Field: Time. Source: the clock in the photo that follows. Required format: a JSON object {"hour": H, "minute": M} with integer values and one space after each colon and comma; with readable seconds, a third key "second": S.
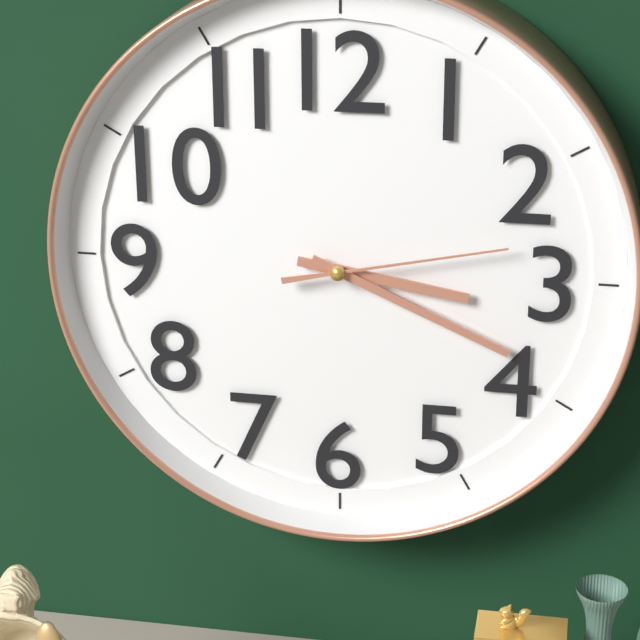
{"hour": 3, "minute": 19, "second": 13}
